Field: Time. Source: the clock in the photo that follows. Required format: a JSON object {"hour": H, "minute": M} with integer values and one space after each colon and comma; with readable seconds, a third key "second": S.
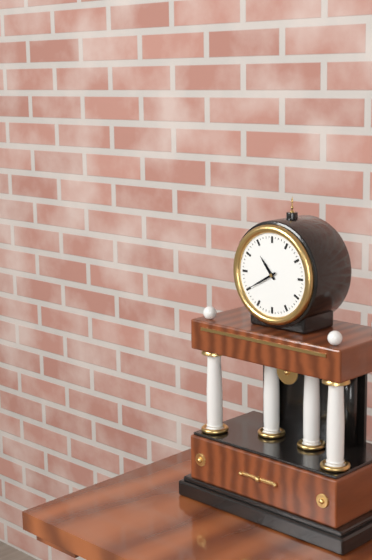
{"hour": 10, "minute": 40}
